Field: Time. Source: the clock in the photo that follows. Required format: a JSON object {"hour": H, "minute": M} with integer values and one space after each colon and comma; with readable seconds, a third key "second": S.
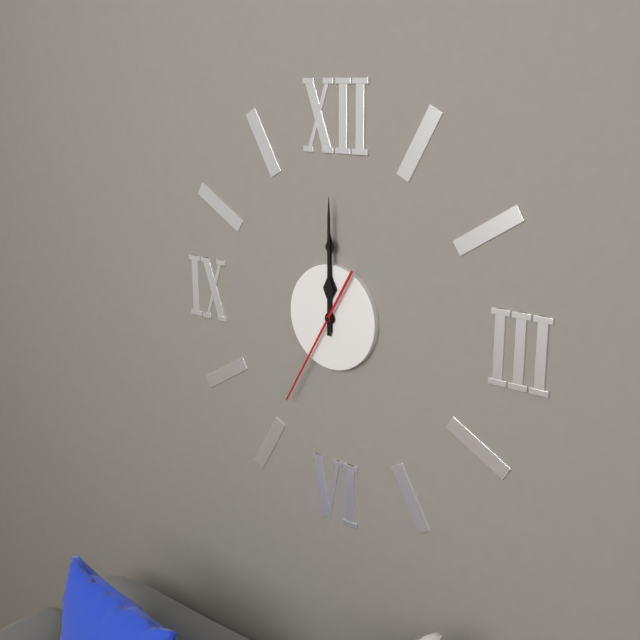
{"hour": 12, "minute": 0, "second": 35}
